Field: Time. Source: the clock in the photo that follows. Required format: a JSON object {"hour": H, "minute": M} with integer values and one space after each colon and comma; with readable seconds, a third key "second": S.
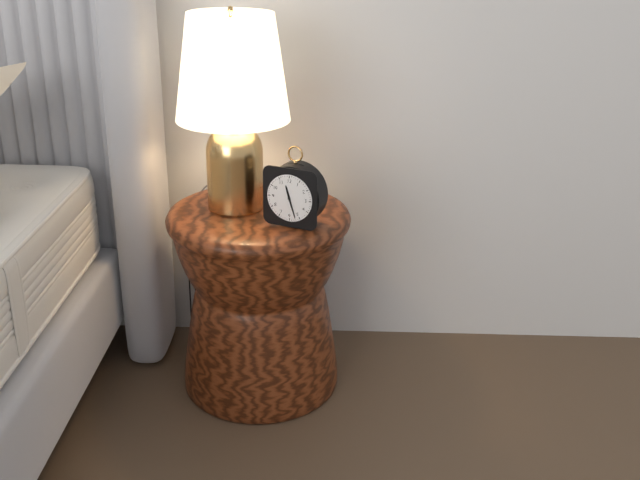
{"hour": 11, "minute": 27}
